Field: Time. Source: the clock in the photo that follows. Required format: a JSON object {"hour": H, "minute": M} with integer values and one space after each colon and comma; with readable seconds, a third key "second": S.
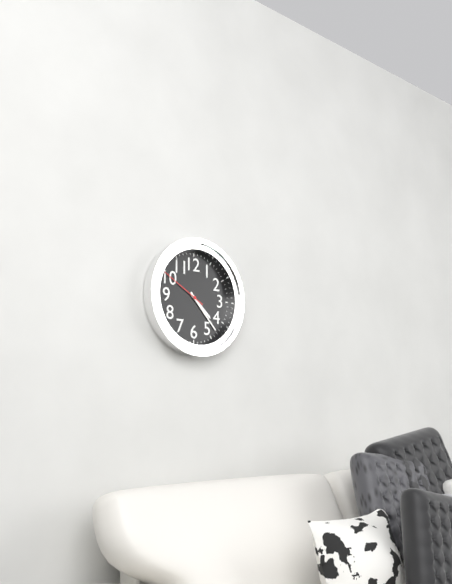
{"hour": 4, "minute": 23, "second": 50}
